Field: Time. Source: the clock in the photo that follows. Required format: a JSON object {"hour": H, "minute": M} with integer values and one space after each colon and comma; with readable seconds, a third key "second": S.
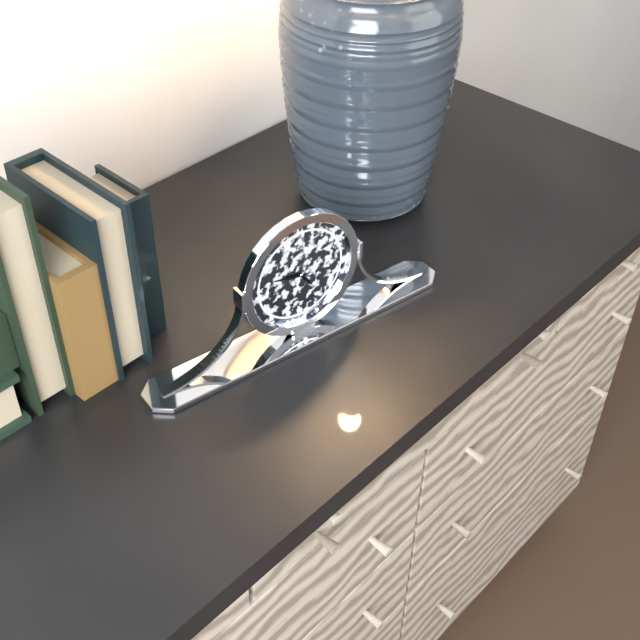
{"hour": 4, "minute": 47}
